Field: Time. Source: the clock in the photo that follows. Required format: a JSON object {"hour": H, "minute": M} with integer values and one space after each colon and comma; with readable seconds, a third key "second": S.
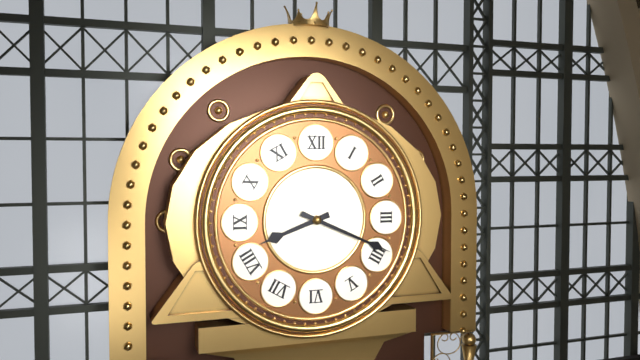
{"hour": 8, "minute": 19}
